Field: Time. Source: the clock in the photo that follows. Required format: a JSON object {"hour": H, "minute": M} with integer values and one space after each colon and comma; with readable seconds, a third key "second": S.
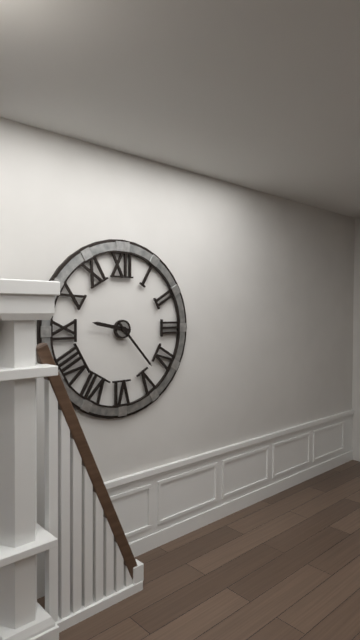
{"hour": 9, "minute": 23}
